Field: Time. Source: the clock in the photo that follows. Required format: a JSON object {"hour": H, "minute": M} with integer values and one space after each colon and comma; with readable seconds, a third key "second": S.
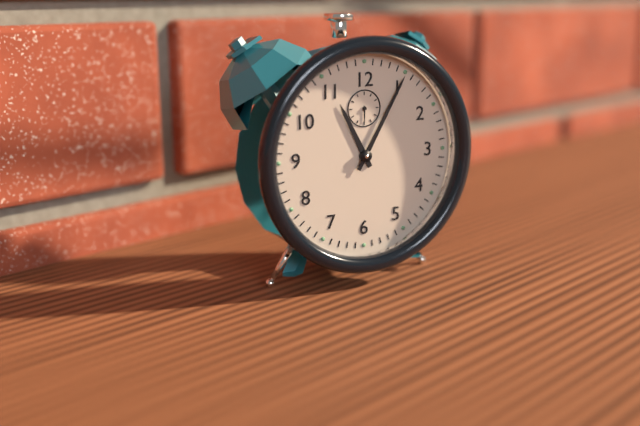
{"hour": 11, "minute": 5}
